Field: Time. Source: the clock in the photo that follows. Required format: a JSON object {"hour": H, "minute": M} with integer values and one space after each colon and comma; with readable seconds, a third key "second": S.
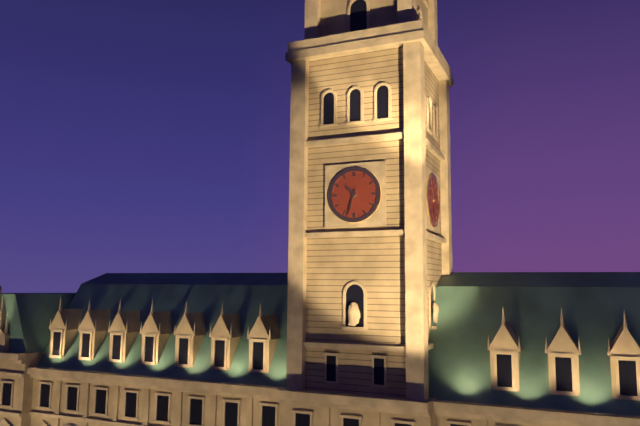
{"hour": 10, "minute": 33}
